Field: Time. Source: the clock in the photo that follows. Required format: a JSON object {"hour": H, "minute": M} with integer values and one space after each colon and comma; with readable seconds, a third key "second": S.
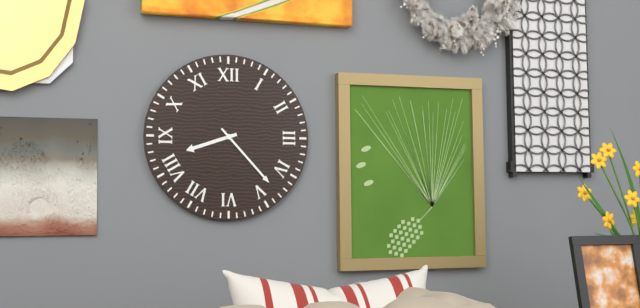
{"hour": 8, "minute": 23}
